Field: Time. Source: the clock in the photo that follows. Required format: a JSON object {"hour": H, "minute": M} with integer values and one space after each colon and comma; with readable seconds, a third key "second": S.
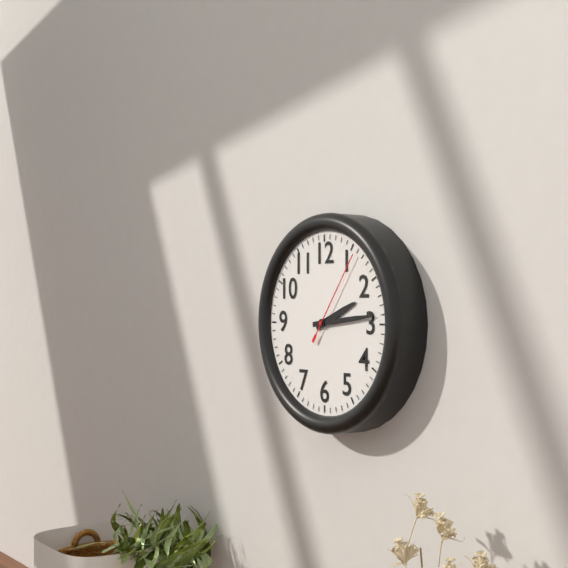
{"hour": 2, "minute": 14, "second": 6}
